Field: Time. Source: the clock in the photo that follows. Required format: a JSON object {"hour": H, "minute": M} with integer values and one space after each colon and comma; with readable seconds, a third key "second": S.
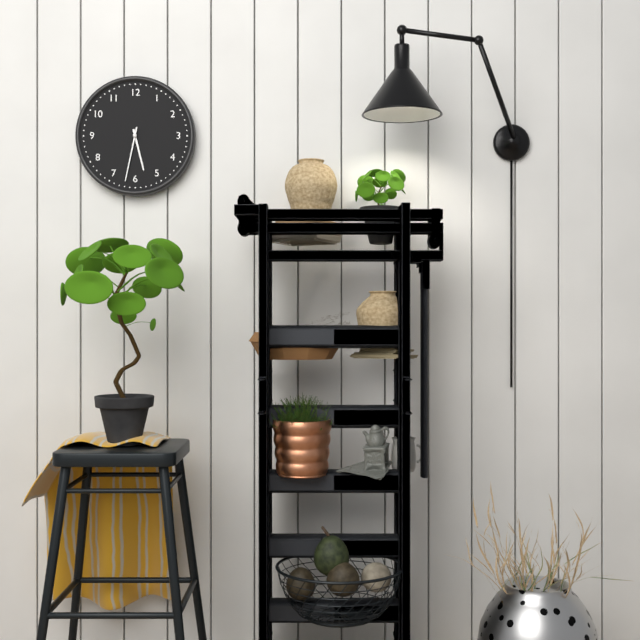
{"hour": 5, "minute": 32}
